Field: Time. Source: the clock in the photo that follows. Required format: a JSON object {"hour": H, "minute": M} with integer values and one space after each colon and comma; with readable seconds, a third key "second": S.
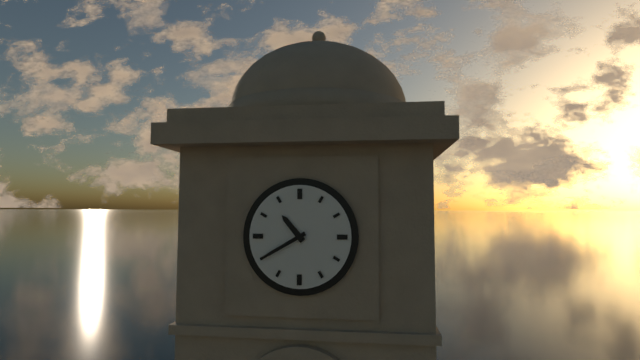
{"hour": 10, "minute": 40}
